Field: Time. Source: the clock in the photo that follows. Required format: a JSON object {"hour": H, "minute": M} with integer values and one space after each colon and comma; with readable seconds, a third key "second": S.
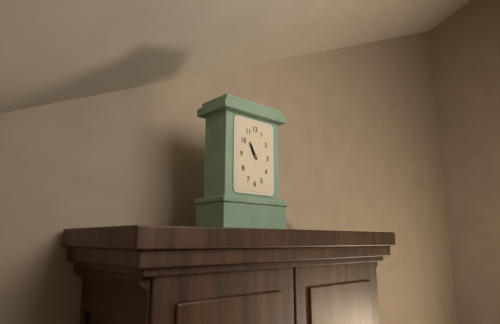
{"hour": 10, "minute": 55}
